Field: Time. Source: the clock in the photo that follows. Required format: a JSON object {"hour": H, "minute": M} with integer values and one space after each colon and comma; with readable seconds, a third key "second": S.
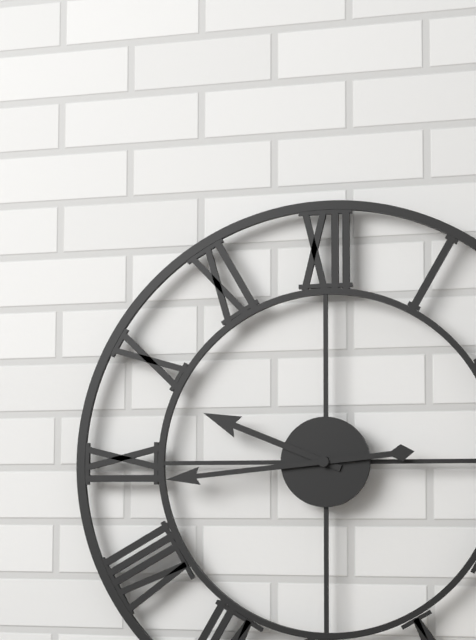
{"hour": 9, "minute": 44}
